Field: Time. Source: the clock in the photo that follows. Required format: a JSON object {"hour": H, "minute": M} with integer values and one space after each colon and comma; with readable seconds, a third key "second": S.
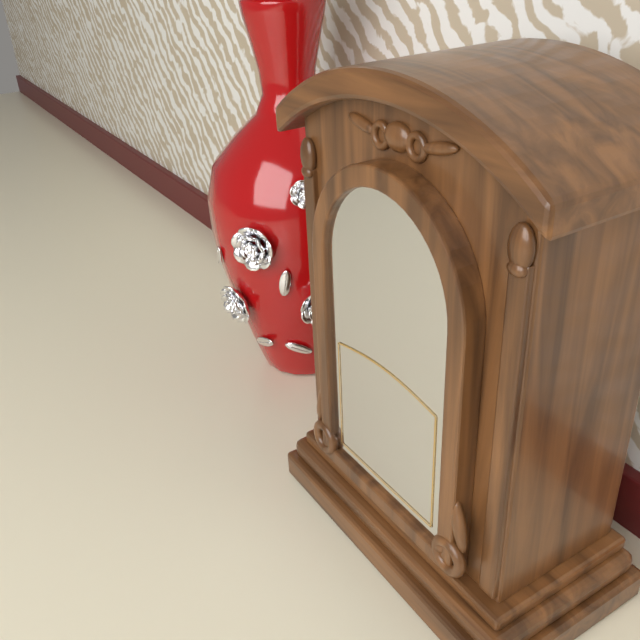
{"hour": 9, "minute": 31}
